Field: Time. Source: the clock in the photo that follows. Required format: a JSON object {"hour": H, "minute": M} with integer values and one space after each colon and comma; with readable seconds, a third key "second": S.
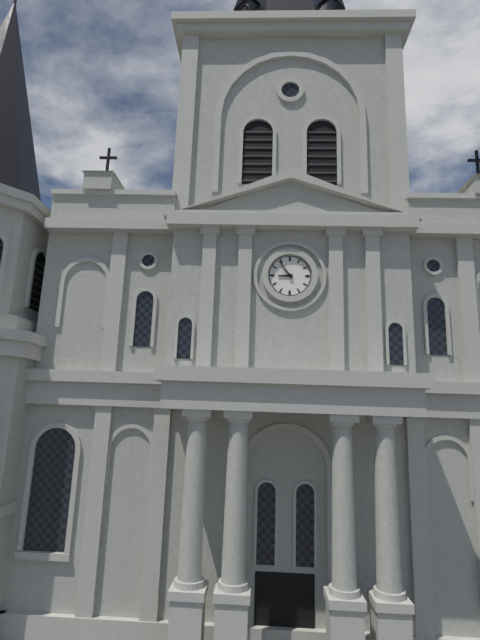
{"hour": 8, "minute": 54}
